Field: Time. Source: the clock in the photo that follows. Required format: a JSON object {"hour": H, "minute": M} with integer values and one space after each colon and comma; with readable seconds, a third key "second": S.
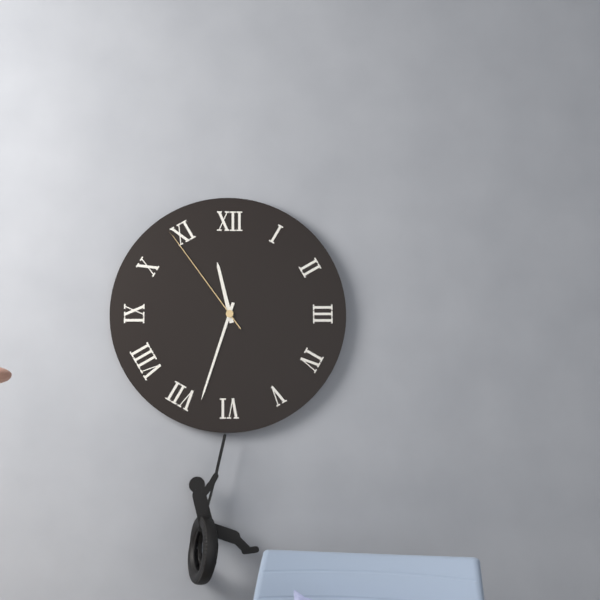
{"hour": 11, "minute": 33, "second": 54}
